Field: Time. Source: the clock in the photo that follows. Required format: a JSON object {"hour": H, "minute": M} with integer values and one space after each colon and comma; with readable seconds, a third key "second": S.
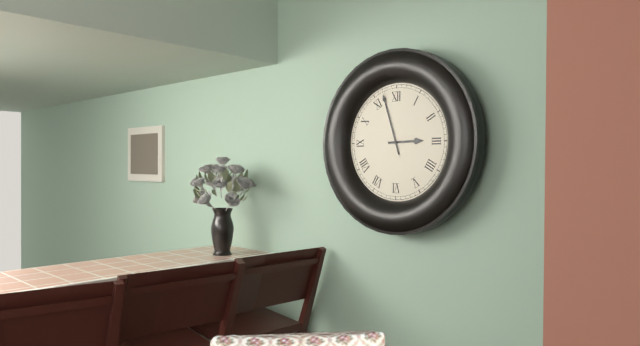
{"hour": 2, "minute": 57}
